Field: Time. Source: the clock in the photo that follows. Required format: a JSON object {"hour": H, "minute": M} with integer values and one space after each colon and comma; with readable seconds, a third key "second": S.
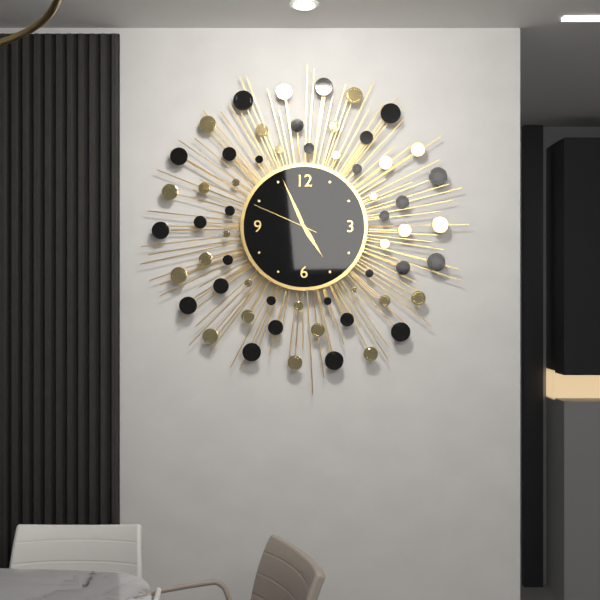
{"hour": 4, "minute": 56, "second": 49}
